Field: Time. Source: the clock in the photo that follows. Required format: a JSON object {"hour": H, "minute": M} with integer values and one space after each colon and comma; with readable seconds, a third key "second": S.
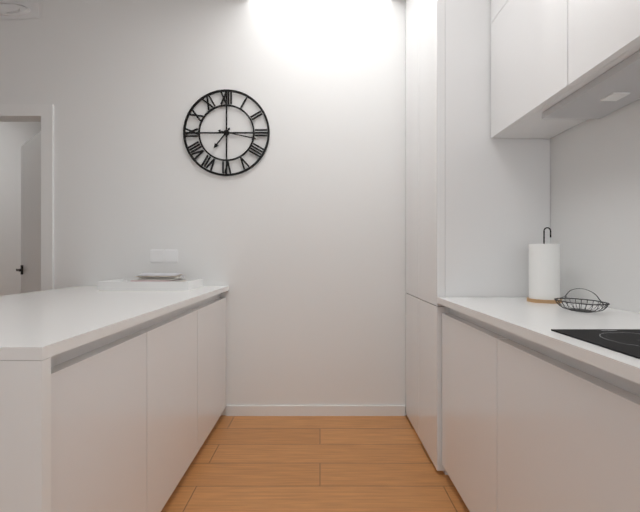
{"hour": 7, "minute": 17}
